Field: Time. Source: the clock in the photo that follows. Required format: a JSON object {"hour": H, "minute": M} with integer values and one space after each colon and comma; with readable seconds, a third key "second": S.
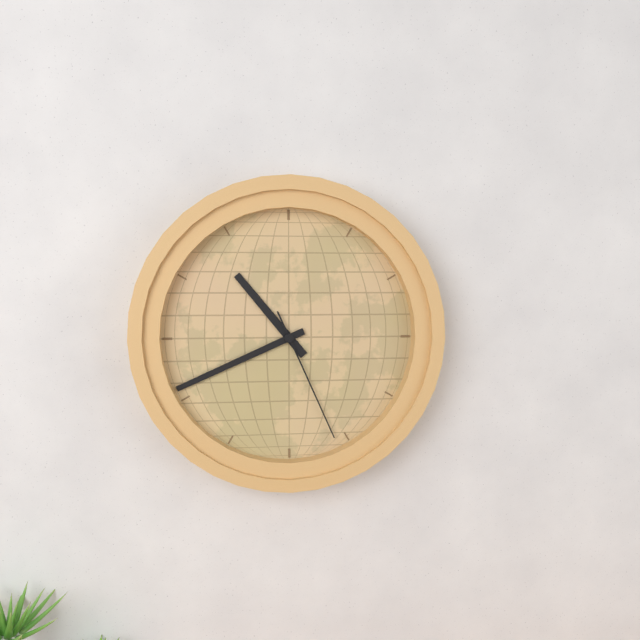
{"hour": 10, "minute": 41, "second": 26}
